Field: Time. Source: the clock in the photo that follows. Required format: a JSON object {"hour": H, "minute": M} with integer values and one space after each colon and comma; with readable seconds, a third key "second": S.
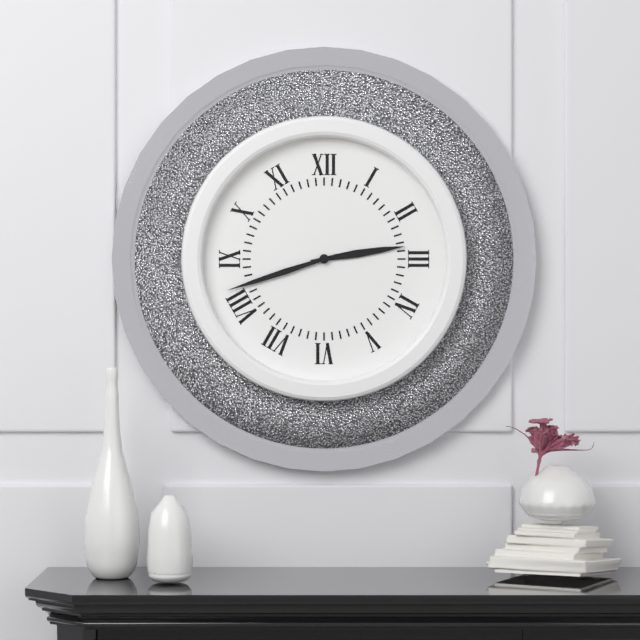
{"hour": 2, "minute": 42}
